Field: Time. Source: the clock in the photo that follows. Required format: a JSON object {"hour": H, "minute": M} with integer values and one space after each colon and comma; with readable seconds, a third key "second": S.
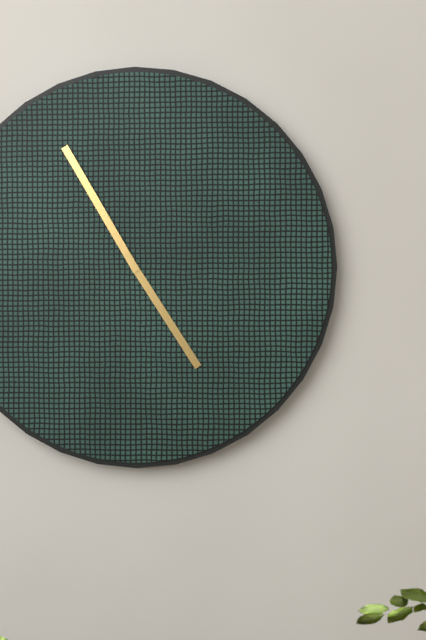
{"hour": 4, "minute": 55}
